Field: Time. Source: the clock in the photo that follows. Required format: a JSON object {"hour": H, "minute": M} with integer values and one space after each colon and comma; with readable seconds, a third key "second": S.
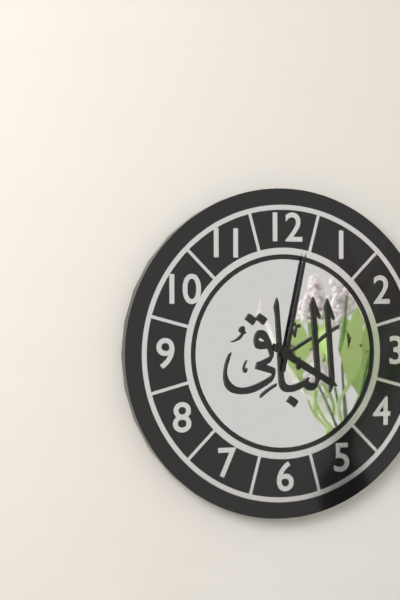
{"hour": 4, "minute": 2}
